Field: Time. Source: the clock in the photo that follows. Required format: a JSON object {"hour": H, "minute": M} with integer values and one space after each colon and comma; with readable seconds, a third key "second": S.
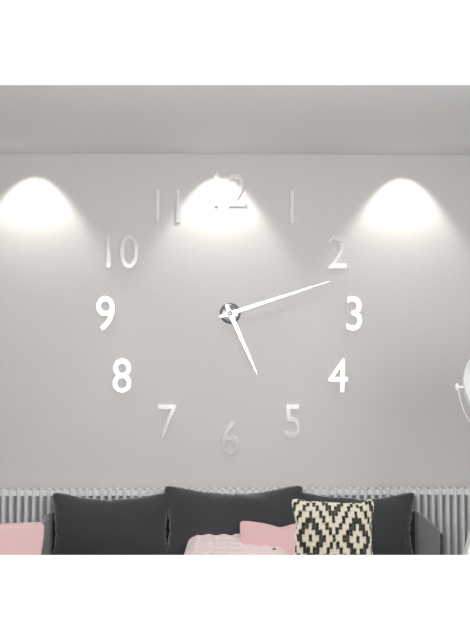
{"hour": 5, "minute": 12}
